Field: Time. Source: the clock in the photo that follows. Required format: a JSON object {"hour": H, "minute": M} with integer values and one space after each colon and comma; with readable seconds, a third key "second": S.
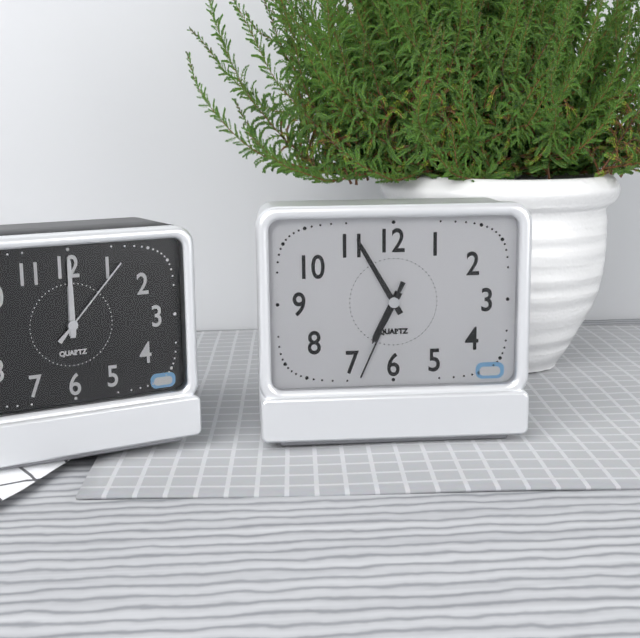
{"hour": 6, "minute": 55, "second": 34}
